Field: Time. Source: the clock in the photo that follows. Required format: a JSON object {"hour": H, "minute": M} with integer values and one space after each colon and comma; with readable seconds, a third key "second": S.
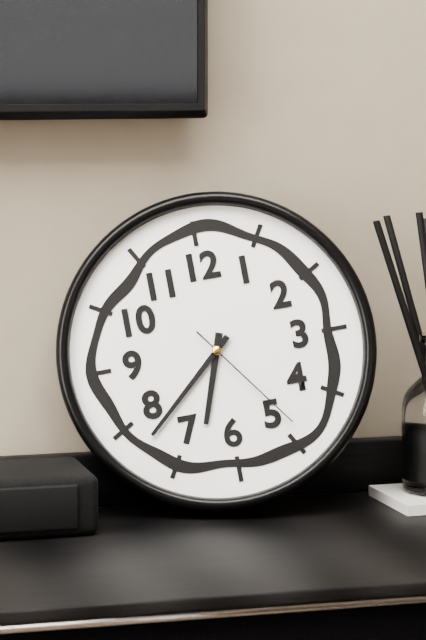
{"hour": 6, "minute": 38, "second": 24}
